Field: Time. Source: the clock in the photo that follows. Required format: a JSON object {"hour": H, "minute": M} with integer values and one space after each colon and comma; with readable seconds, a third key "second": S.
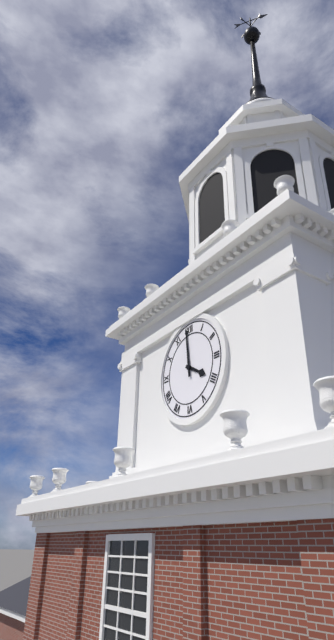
{"hour": 3, "minute": 59}
